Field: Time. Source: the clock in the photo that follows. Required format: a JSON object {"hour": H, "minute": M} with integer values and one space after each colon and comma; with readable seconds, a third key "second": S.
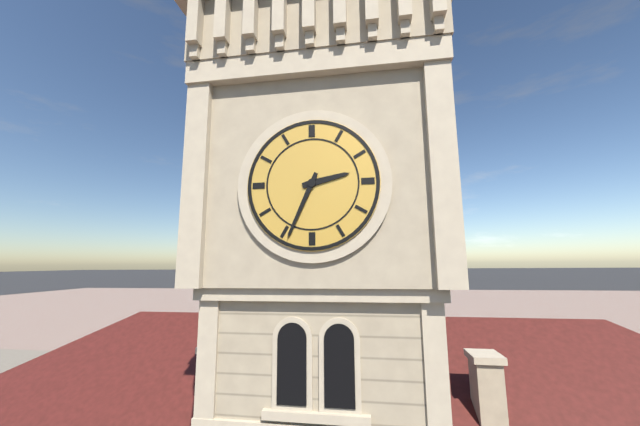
{"hour": 2, "minute": 34}
